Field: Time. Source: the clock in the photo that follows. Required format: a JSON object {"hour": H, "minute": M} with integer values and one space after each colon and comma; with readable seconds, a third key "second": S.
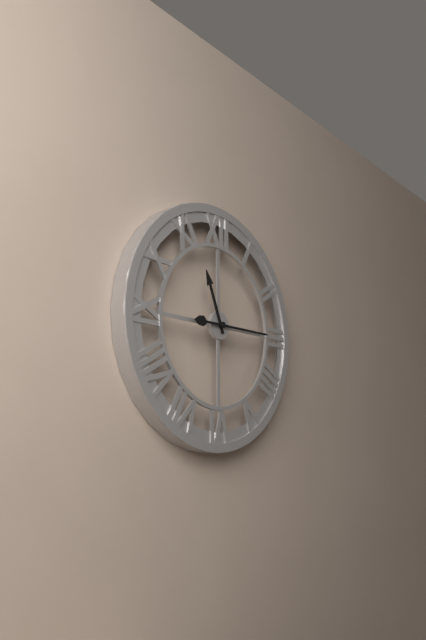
{"hour": 11, "minute": 15}
